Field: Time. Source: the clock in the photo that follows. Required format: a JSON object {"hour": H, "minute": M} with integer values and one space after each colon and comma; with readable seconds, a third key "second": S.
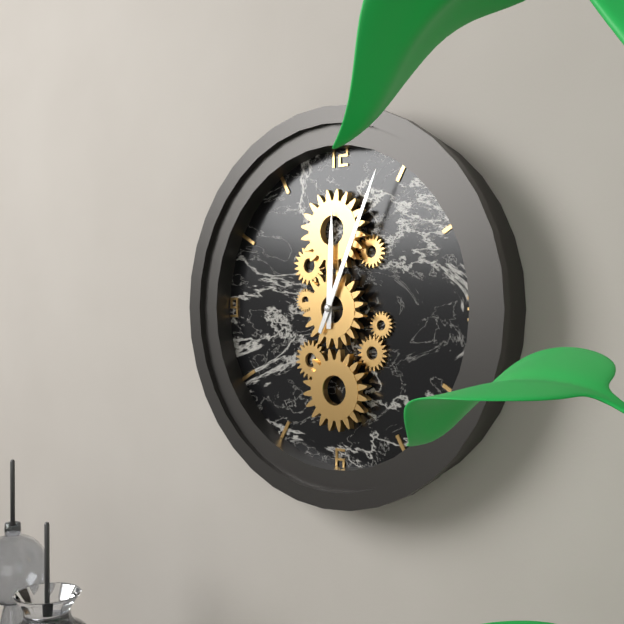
{"hour": 12, "minute": 4}
